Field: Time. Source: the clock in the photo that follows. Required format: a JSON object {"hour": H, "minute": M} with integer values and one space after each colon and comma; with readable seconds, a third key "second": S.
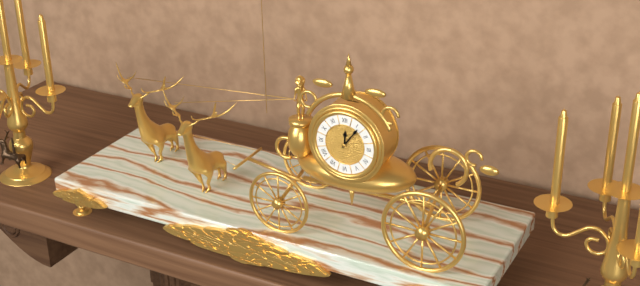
{"hour": 12, "minute": 6}
